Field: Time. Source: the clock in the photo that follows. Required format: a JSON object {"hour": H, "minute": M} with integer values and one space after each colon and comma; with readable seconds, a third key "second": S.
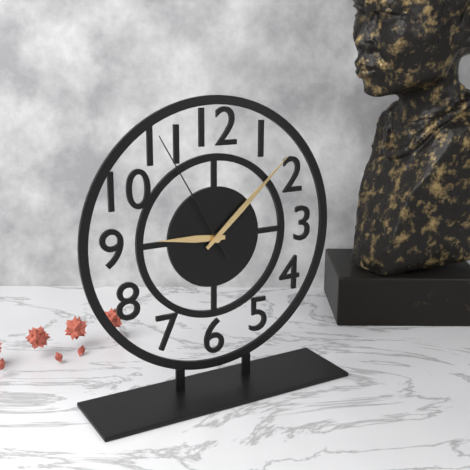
{"hour": 9, "minute": 8, "second": 55}
